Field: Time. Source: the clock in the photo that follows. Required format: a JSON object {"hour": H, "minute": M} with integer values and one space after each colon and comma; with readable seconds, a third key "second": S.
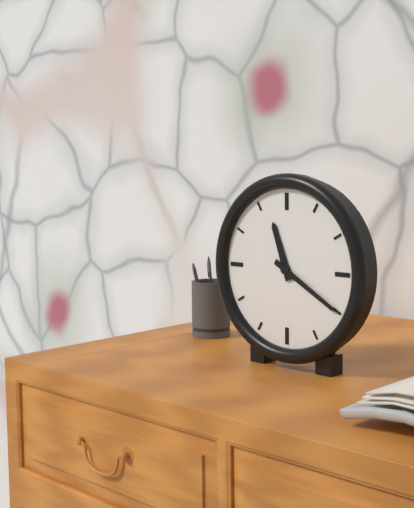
{"hour": 11, "minute": 20}
